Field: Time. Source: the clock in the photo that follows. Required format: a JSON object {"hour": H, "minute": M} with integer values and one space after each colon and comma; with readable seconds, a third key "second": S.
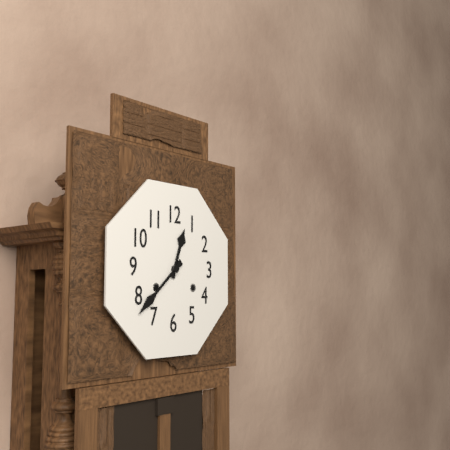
{"hour": 12, "minute": 38}
